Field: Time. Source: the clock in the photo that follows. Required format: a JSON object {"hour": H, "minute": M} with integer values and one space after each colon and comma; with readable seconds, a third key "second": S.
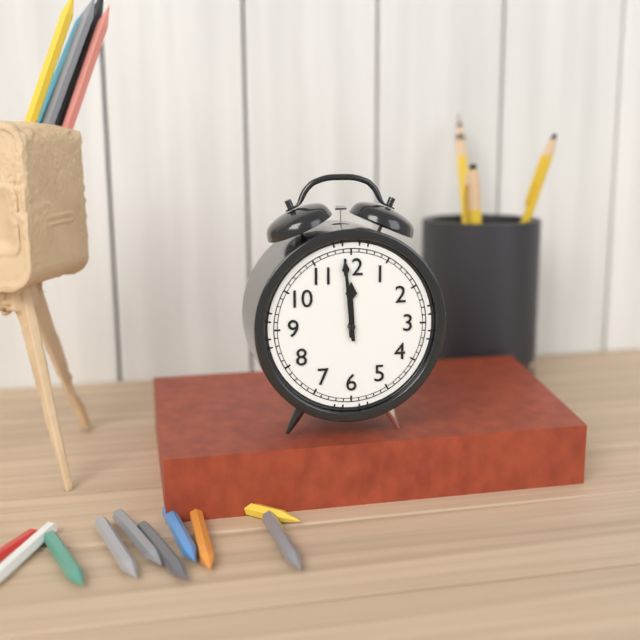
{"hour": 11, "minute": 59}
